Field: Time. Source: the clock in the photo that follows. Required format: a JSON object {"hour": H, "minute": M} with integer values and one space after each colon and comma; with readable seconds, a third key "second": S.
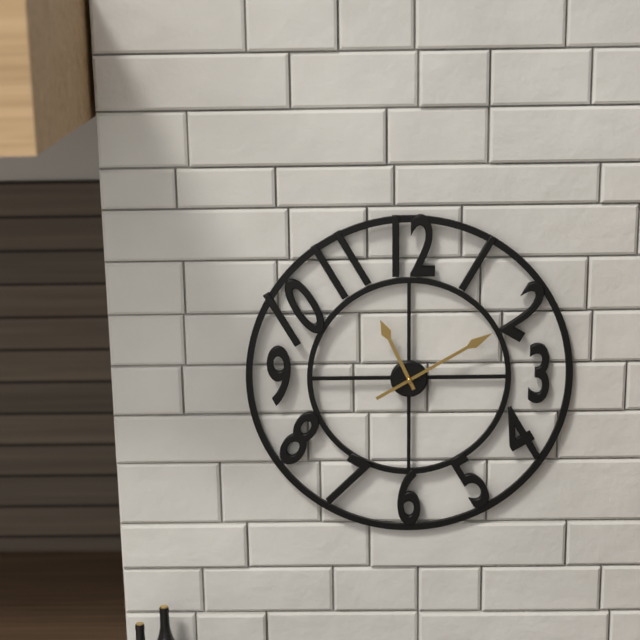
{"hour": 11, "minute": 10}
